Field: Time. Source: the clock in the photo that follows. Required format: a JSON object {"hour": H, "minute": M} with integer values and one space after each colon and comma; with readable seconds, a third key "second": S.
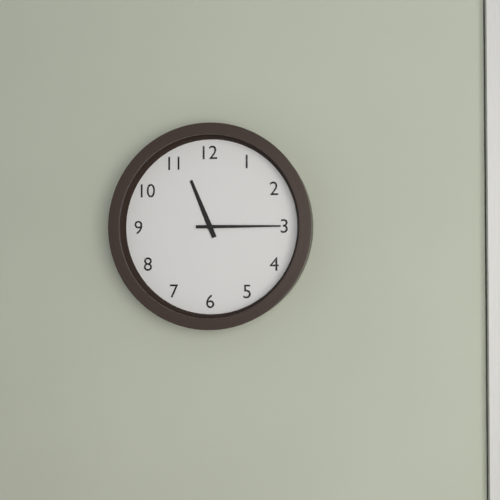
{"hour": 11, "minute": 15}
